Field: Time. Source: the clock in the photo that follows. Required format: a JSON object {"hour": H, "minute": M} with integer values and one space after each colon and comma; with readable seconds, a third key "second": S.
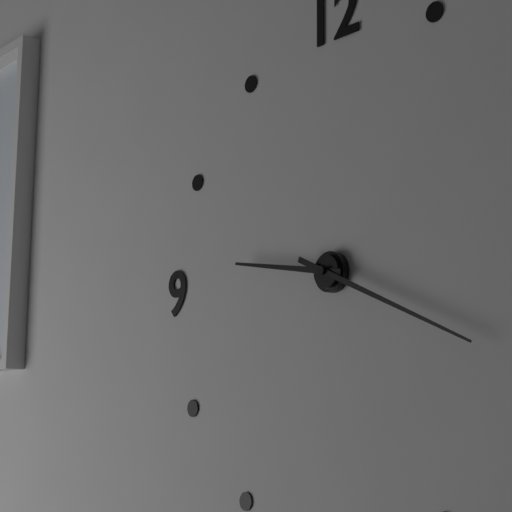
{"hour": 9, "minute": 19}
